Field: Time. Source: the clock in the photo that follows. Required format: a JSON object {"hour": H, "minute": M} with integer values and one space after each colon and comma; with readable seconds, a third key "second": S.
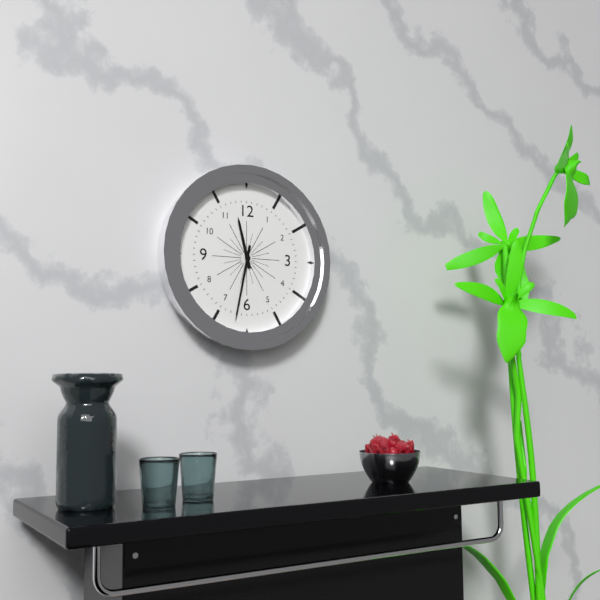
{"hour": 11, "minute": 32}
